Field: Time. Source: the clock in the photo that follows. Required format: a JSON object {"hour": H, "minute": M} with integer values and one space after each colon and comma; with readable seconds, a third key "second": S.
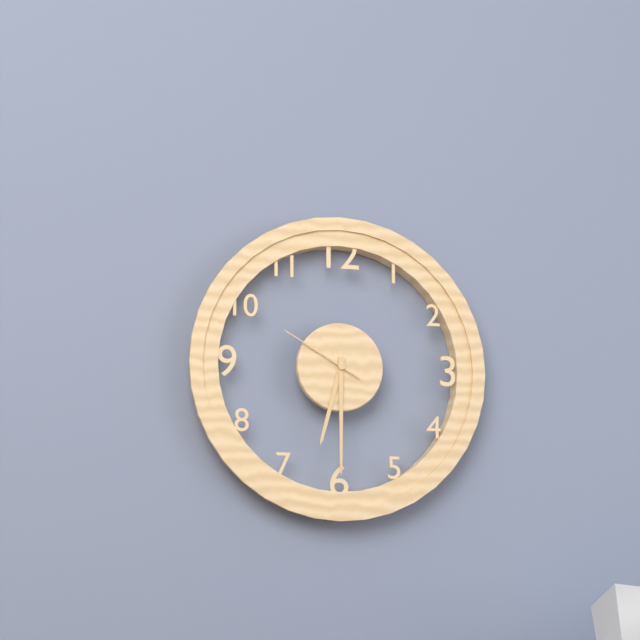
{"hour": 6, "minute": 30, "second": 50}
